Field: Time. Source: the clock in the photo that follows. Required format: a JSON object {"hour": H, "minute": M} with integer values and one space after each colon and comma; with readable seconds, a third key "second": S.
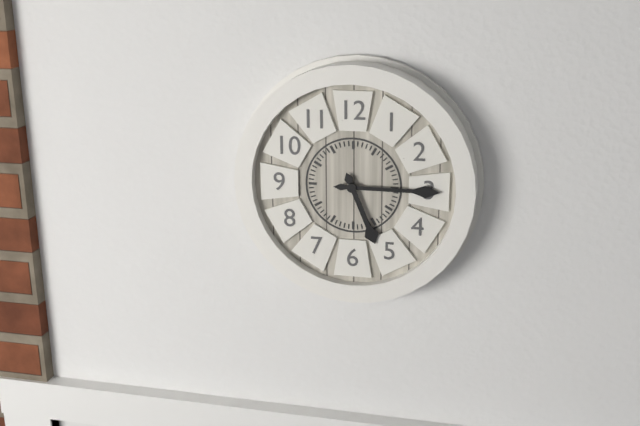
{"hour": 5, "minute": 15}
